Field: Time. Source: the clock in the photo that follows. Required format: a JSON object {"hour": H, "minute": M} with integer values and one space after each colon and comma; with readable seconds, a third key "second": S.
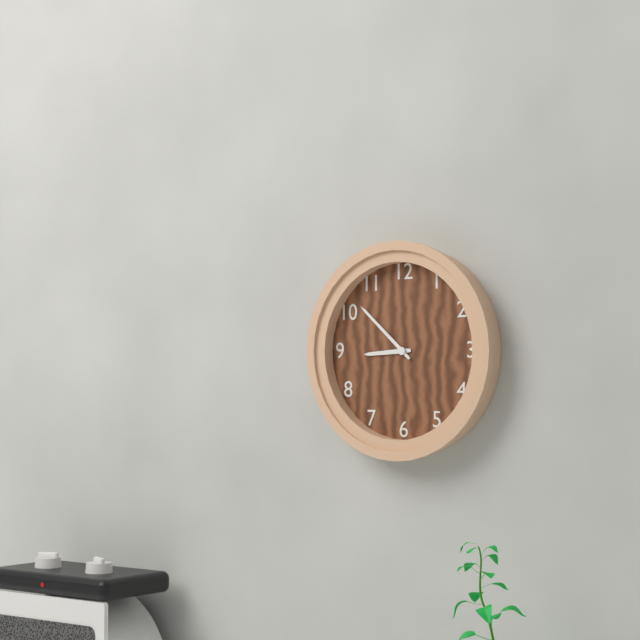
{"hour": 8, "minute": 52}
